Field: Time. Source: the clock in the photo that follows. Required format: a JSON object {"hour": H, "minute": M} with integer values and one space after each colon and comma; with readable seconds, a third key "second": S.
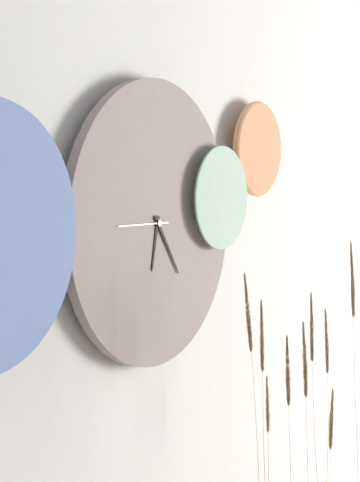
{"hour": 6, "minute": 24, "second": 45}
